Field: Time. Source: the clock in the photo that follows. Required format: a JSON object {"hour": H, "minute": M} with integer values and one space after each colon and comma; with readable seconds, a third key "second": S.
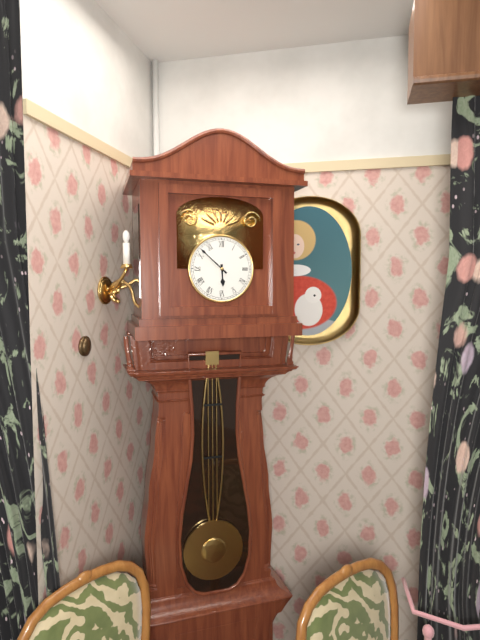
{"hour": 5, "minute": 52}
